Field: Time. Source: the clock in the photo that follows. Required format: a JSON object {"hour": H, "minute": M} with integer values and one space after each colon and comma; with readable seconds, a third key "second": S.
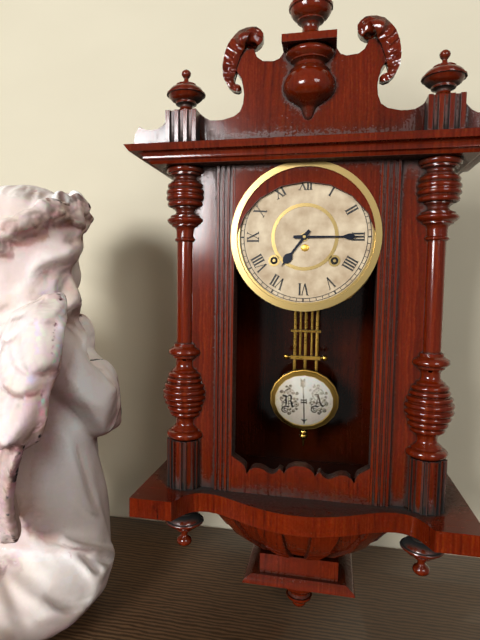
{"hour": 7, "minute": 15}
